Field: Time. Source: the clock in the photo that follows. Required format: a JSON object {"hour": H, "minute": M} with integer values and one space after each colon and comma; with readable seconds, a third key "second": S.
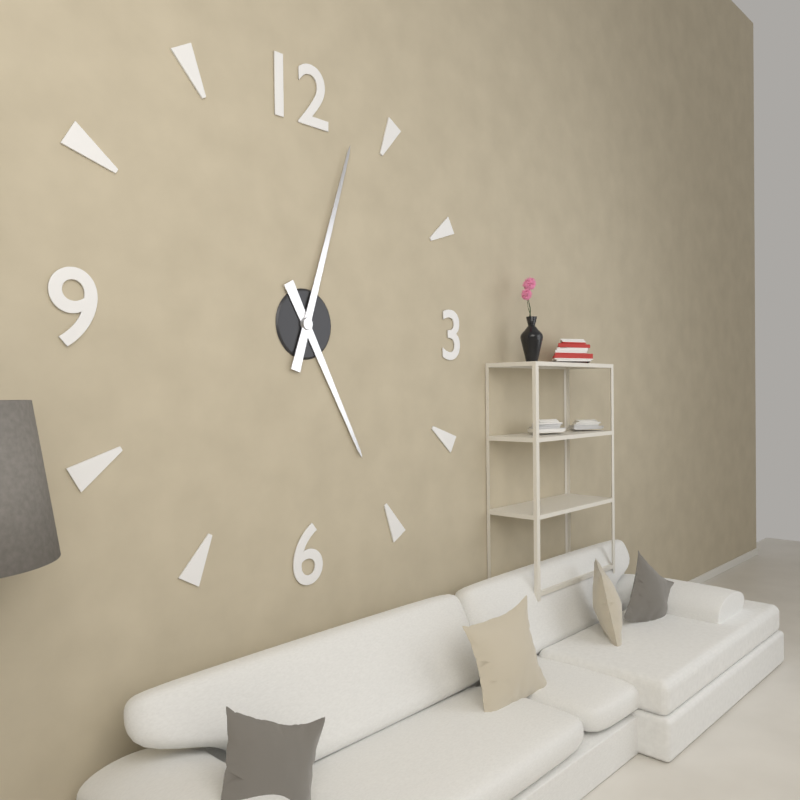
{"hour": 5, "minute": 3}
